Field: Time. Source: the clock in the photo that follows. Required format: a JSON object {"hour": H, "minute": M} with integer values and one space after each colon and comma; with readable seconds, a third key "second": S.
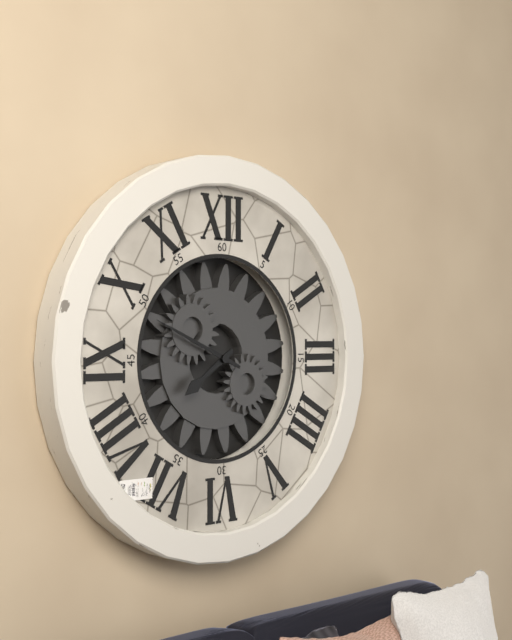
{"hour": 7, "minute": 49}
